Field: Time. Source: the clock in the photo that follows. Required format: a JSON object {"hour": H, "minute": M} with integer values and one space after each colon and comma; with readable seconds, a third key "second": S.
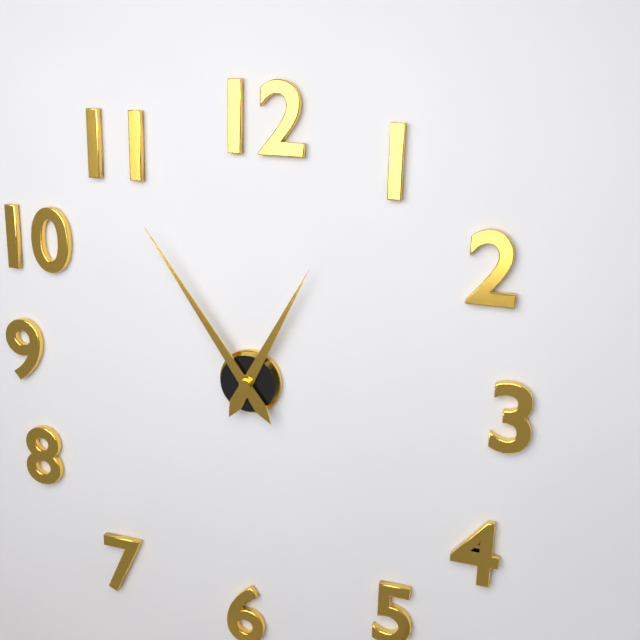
{"hour": 12, "minute": 54}
